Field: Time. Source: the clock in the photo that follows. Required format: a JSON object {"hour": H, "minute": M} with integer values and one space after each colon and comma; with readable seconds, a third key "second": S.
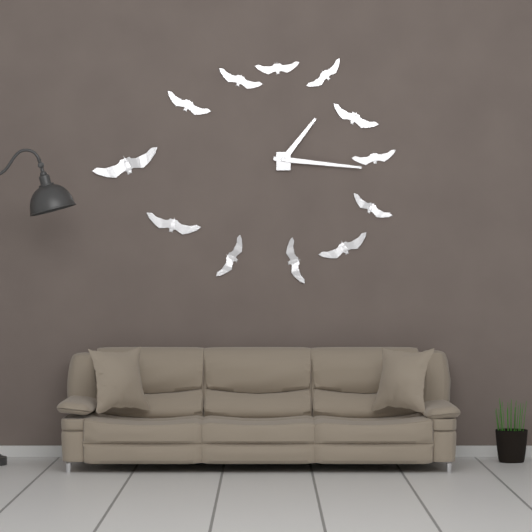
{"hour": 1, "minute": 16}
